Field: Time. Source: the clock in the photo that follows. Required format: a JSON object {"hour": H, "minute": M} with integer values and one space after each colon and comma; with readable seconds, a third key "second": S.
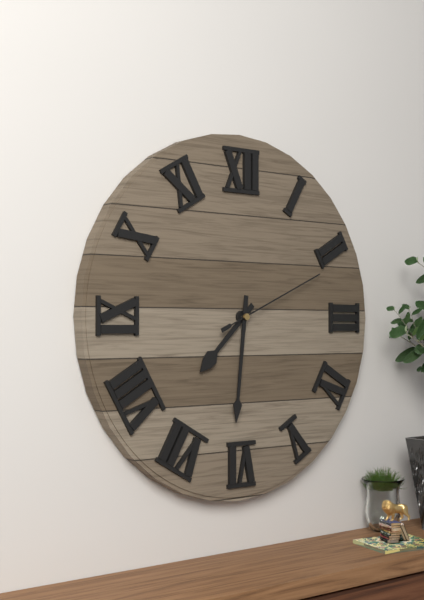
{"hour": 7, "minute": 31, "second": 11}
